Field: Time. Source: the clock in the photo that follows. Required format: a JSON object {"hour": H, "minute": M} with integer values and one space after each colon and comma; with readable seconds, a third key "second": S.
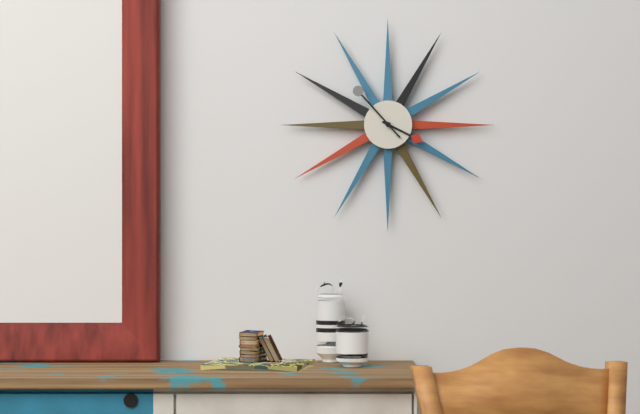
{"hour": 3, "minute": 53}
